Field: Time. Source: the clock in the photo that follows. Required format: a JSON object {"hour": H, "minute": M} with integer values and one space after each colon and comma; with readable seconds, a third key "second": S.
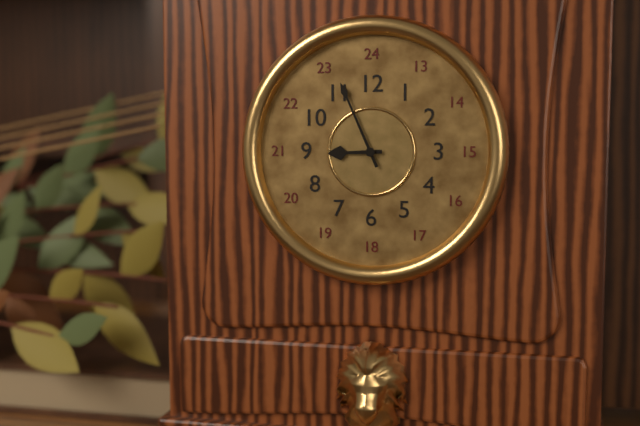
{"hour": 8, "minute": 56}
